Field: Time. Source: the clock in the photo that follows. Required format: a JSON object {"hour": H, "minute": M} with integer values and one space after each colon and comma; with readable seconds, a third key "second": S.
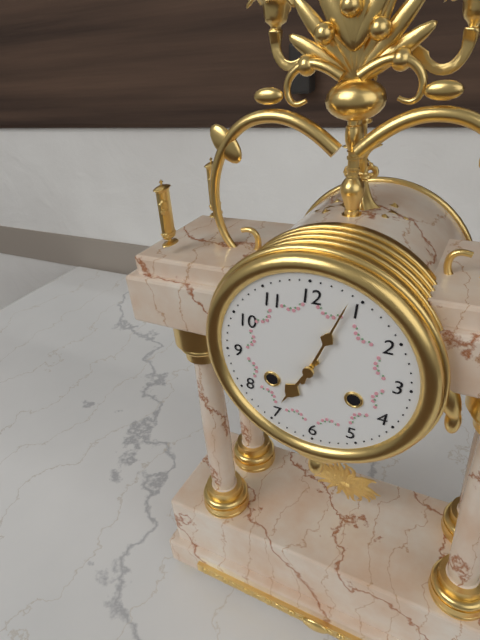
{"hour": 7, "minute": 4}
